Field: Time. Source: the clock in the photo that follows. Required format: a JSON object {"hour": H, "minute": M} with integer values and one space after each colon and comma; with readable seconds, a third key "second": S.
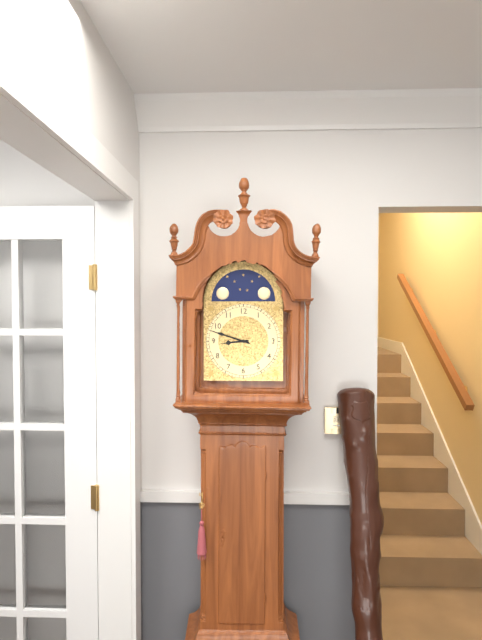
{"hour": 8, "minute": 48}
